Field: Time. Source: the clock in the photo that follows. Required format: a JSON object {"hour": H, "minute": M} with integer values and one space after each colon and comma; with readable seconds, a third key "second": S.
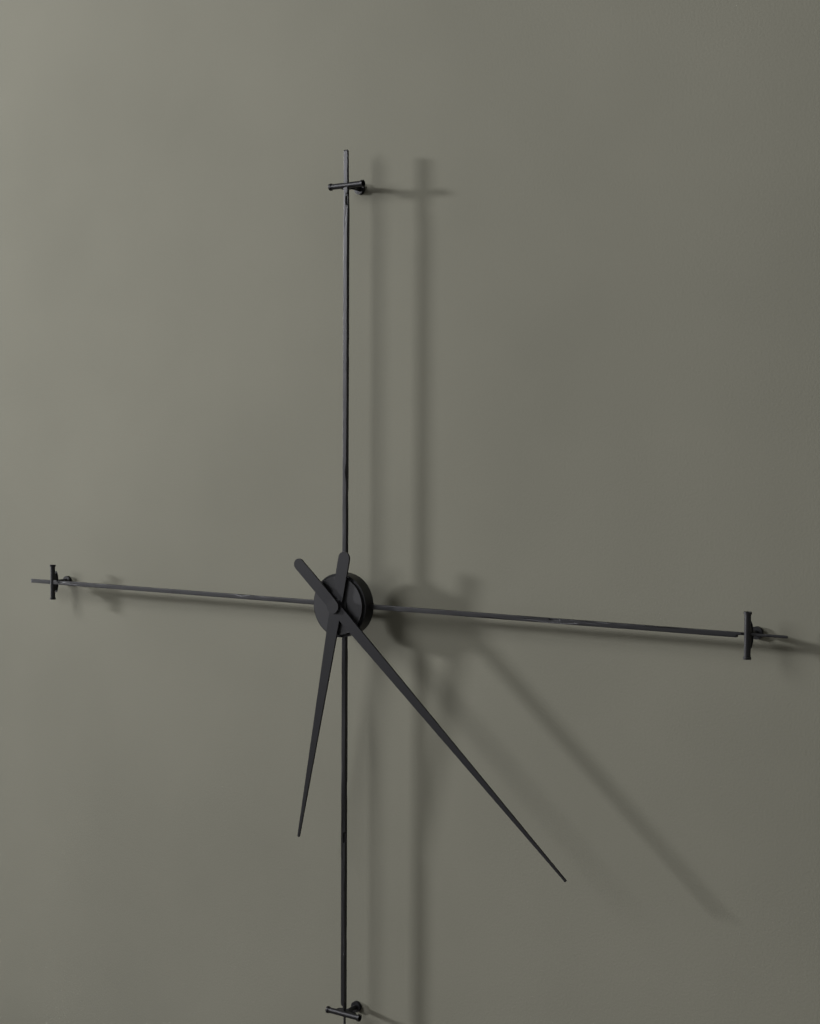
{"hour": 6, "minute": 22}
